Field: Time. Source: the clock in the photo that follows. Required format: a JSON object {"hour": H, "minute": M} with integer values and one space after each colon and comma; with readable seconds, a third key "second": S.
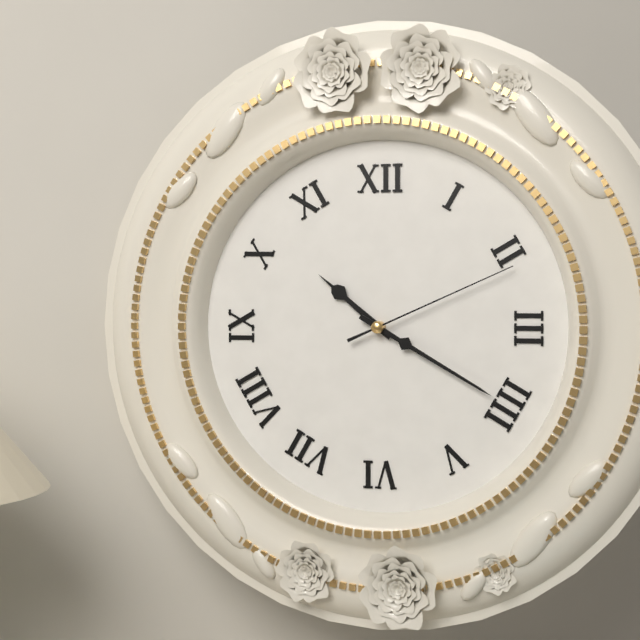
{"hour": 10, "minute": 20, "second": 11}
